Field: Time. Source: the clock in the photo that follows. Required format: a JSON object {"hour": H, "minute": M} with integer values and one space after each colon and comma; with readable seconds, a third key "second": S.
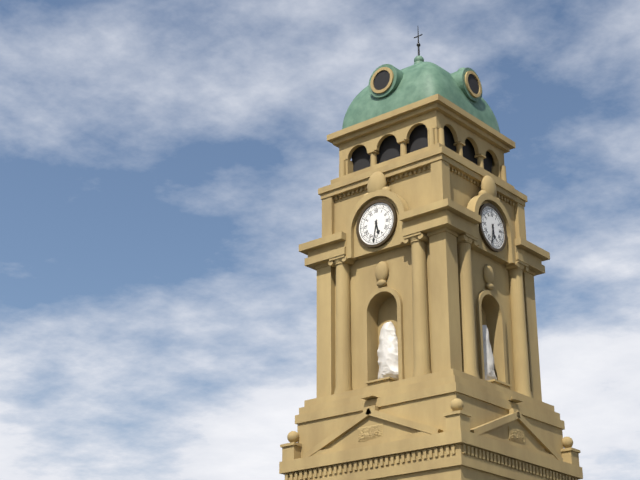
{"hour": 5, "minute": 32}
